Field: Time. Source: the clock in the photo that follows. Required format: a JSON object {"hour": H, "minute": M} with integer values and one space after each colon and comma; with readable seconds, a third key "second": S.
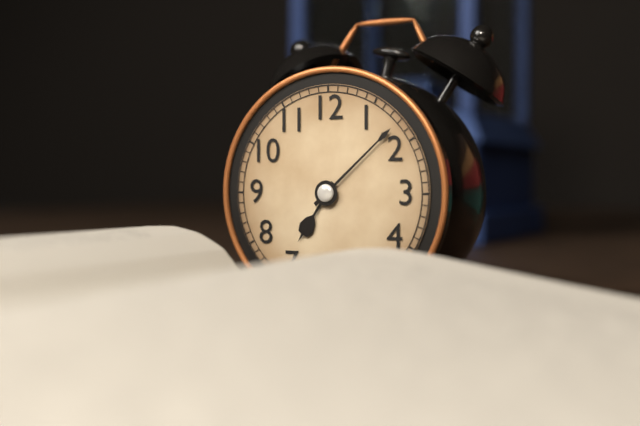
{"hour": 7, "minute": 8}
